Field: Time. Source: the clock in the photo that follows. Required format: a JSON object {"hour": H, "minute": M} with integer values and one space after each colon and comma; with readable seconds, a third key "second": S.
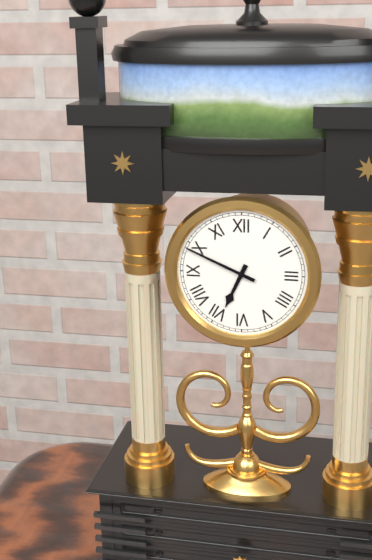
{"hour": 6, "minute": 49}
